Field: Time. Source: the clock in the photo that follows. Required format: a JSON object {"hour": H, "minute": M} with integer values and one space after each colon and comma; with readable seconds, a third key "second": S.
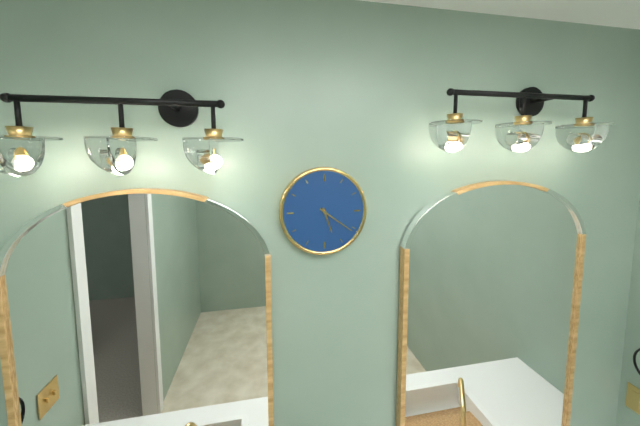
{"hour": 5, "minute": 21}
